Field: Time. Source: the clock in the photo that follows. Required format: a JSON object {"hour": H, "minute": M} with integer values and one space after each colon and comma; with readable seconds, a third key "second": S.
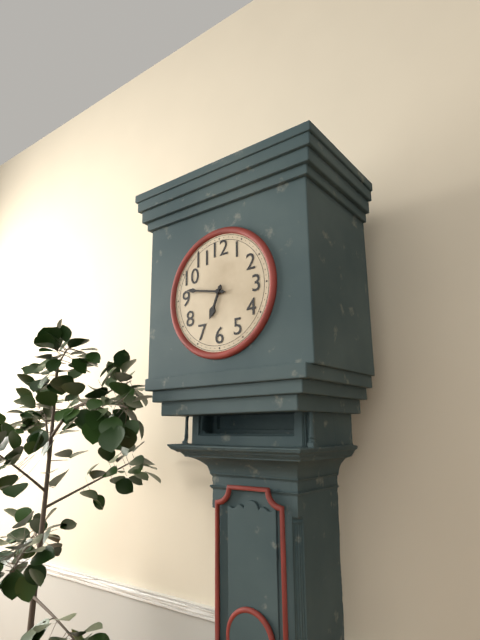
{"hour": 6, "minute": 47}
